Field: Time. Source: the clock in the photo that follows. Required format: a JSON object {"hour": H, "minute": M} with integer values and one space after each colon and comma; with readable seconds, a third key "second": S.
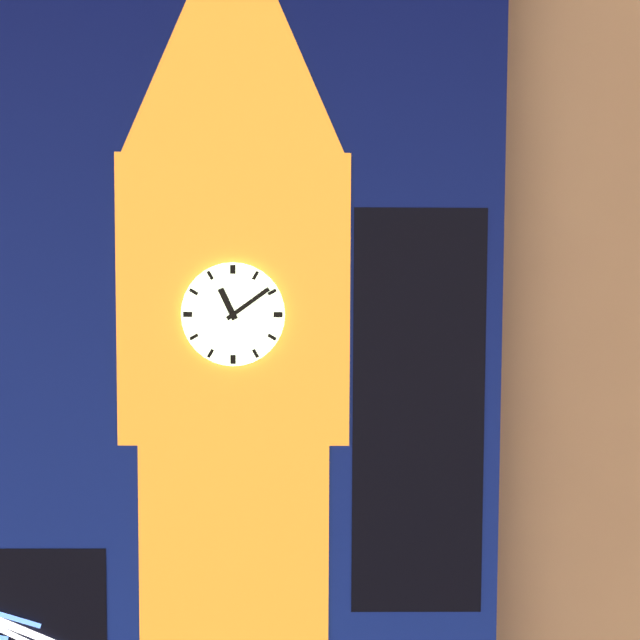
{"hour": 11, "minute": 9}
